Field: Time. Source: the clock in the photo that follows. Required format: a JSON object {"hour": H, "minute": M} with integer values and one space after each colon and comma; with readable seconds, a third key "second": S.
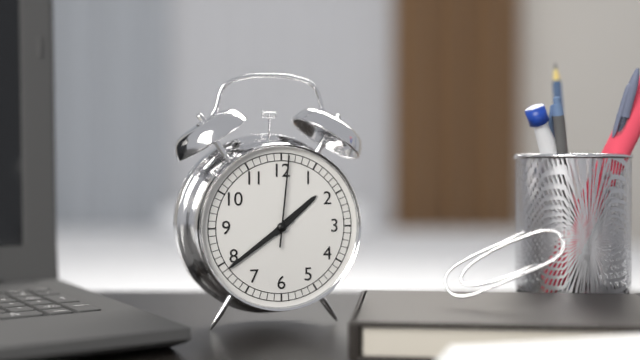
{"hour": 1, "minute": 39, "second": 1}
